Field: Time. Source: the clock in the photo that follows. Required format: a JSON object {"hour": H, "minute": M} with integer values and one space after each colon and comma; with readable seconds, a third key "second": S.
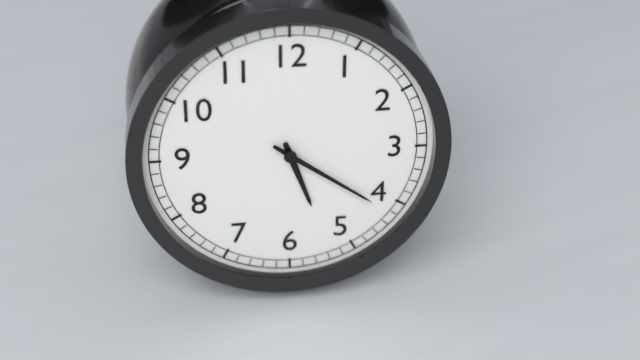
{"hour": 5, "minute": 21}
